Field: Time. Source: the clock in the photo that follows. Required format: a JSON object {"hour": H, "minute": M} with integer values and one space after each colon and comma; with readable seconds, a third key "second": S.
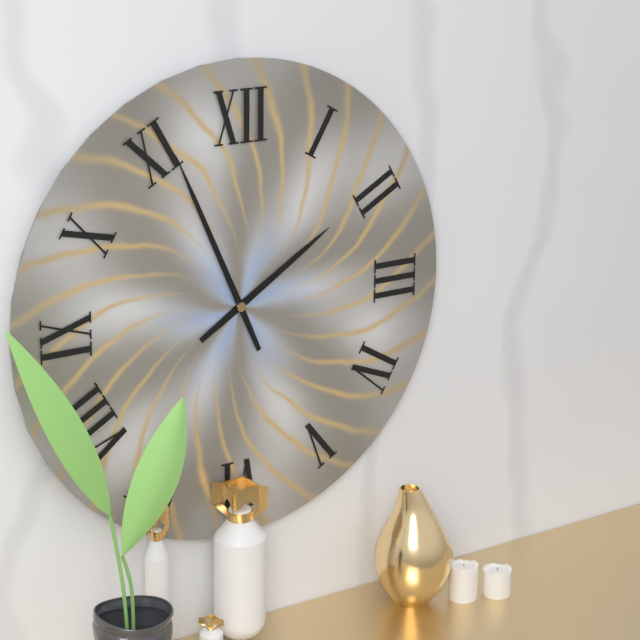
{"hour": 1, "minute": 56}
